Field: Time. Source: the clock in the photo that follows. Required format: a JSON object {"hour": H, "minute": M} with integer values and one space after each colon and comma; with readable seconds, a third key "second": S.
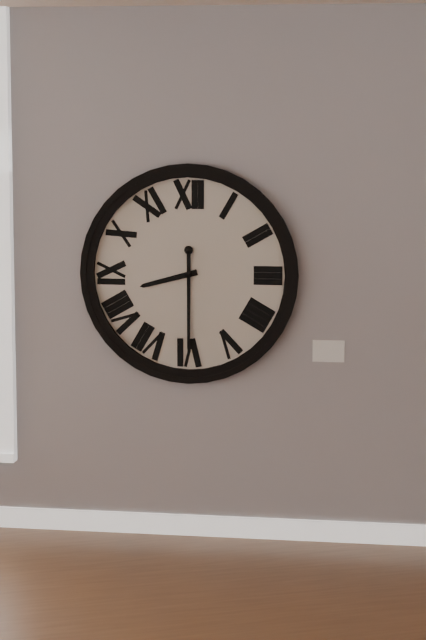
{"hour": 8, "minute": 30}
